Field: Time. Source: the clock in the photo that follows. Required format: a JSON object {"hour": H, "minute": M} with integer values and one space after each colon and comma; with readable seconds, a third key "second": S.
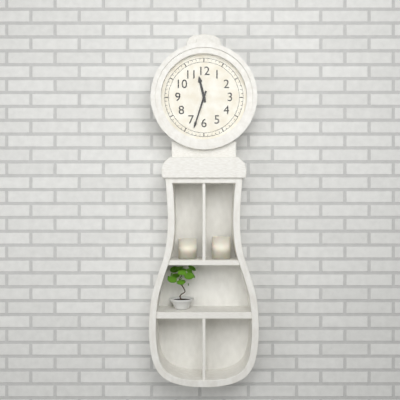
{"hour": 11, "minute": 33}
